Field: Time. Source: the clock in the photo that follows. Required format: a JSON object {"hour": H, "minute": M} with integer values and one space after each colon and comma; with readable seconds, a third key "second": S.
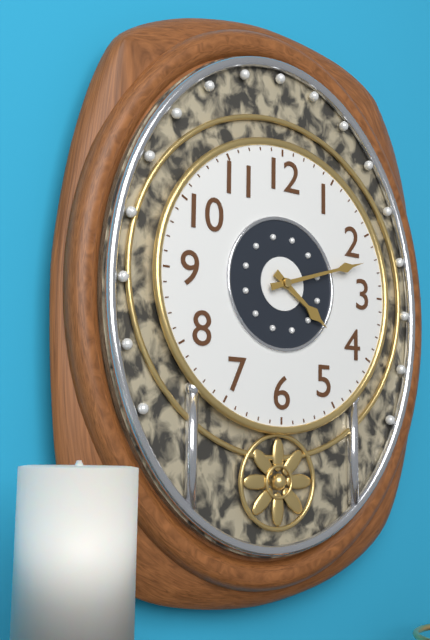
{"hour": 4, "minute": 12}
